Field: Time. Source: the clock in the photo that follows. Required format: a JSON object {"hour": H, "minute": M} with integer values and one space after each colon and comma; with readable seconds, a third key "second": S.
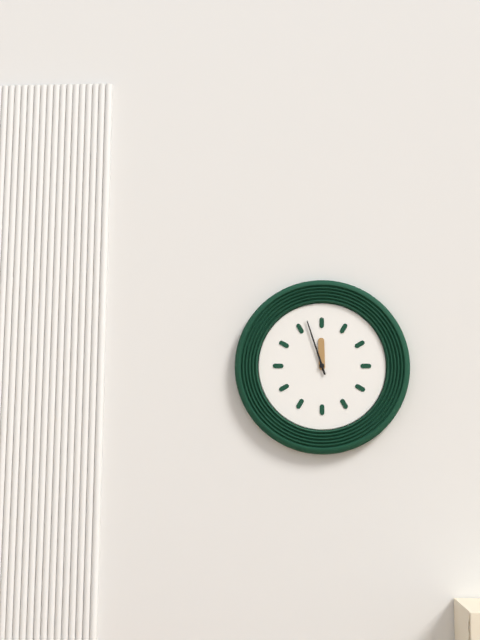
{"hour": 11, "minute": 57}
